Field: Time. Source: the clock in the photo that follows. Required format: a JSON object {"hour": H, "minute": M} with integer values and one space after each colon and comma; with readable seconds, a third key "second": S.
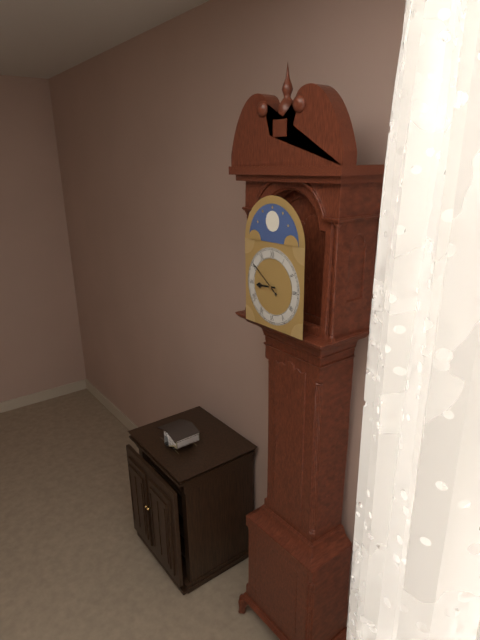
{"hour": 8, "minute": 51}
